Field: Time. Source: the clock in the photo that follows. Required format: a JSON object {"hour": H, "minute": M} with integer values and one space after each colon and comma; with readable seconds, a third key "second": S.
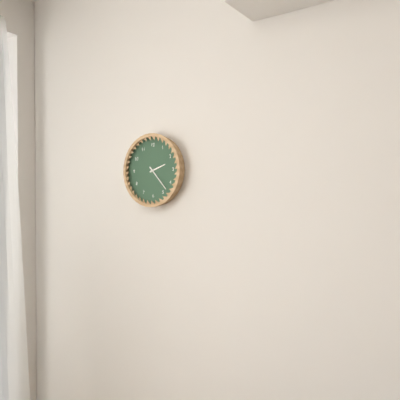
{"hour": 2, "minute": 23}
